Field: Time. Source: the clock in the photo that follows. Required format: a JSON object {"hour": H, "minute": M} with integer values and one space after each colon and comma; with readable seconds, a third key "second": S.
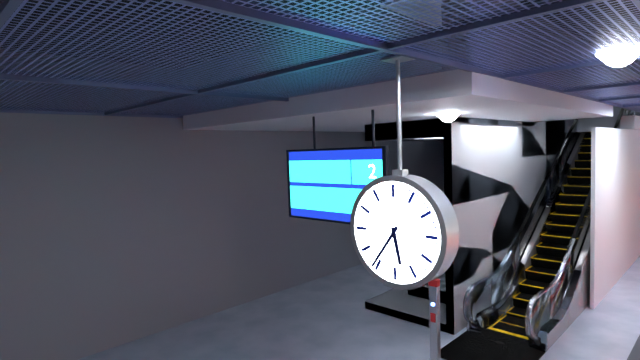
{"hour": 5, "minute": 36}
